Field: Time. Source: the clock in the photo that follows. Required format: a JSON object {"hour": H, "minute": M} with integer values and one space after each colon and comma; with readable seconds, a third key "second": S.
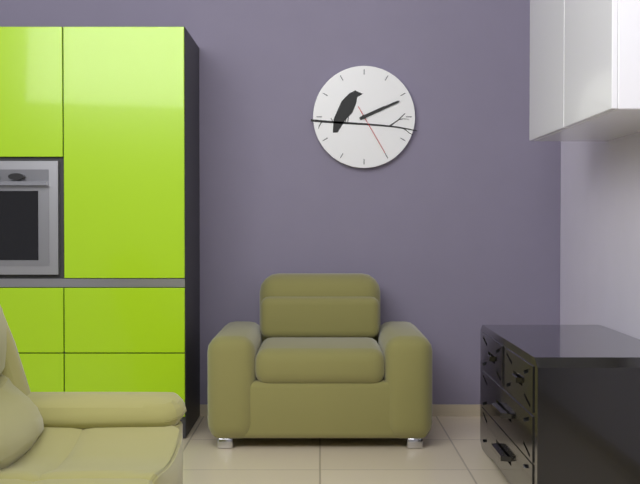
{"hour": 2, "minute": 11, "second": 25}
